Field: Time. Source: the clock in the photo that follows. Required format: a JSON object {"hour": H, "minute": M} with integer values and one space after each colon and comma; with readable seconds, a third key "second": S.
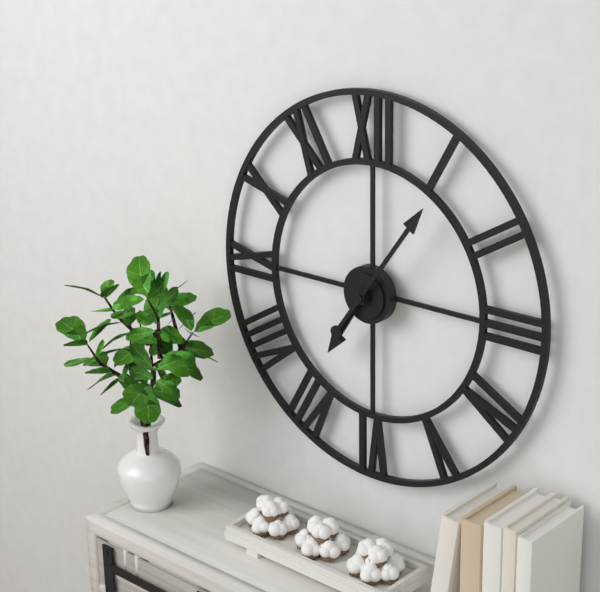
{"hour": 7, "minute": 6}
